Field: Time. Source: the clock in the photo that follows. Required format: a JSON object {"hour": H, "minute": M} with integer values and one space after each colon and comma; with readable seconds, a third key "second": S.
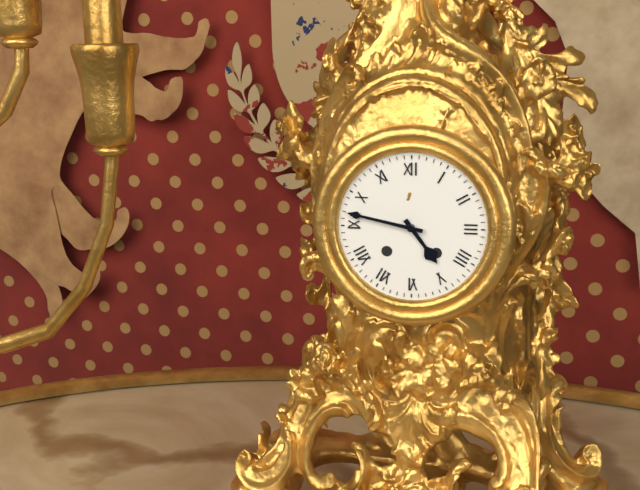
{"hour": 4, "minute": 47}
